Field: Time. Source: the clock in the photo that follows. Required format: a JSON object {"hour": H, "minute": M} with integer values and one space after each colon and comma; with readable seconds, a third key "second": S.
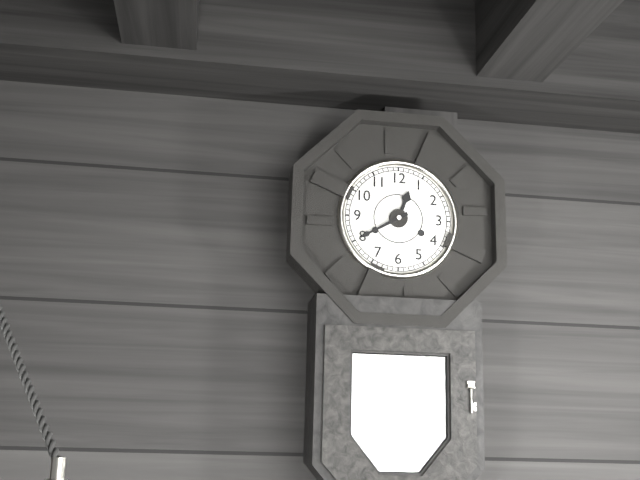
{"hour": 12, "minute": 40}
